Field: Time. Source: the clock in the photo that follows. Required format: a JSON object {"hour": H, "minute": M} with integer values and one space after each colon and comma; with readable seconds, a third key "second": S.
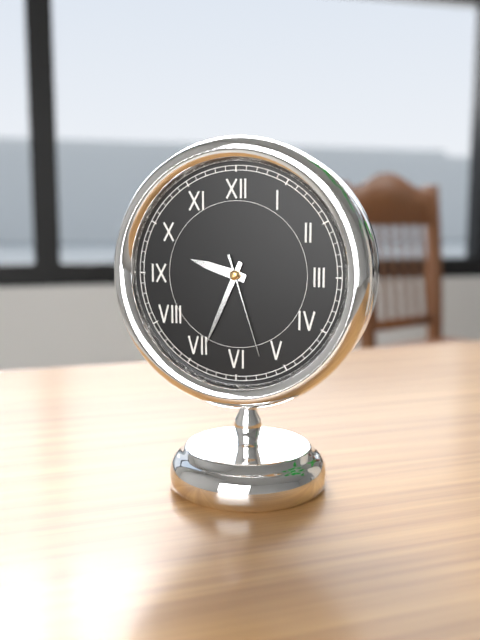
{"hour": 9, "minute": 34, "second": 27}
